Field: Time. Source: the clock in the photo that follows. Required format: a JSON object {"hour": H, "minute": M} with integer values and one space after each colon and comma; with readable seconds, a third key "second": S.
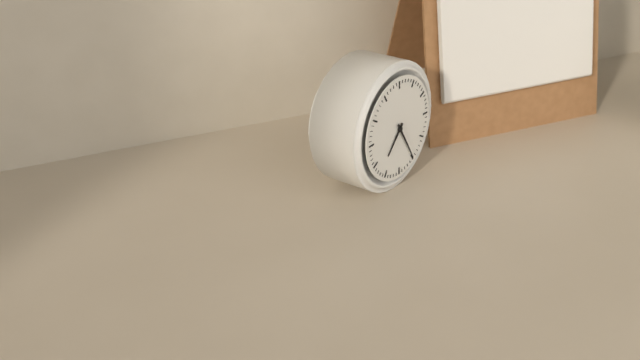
{"hour": 7, "minute": 25}
